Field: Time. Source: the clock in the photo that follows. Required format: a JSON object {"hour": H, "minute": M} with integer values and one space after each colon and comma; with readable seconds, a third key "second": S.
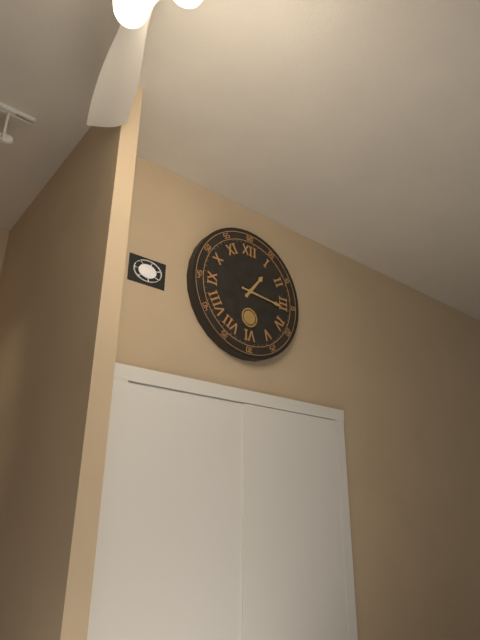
{"hour": 1, "minute": 16}
